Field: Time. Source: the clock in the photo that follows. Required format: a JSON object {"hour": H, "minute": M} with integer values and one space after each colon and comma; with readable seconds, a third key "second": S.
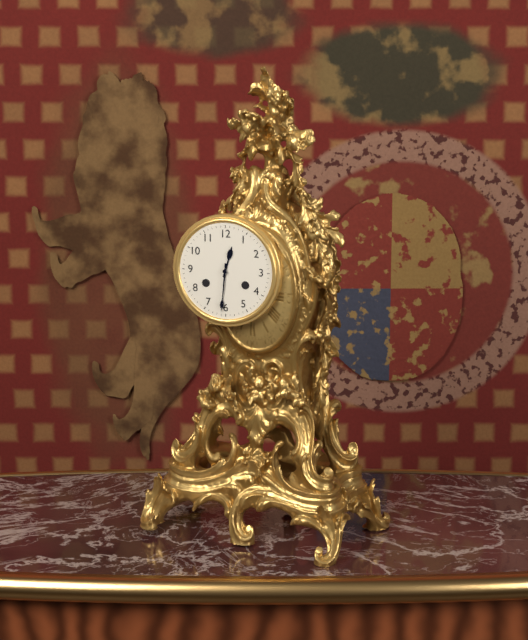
{"hour": 12, "minute": 31}
